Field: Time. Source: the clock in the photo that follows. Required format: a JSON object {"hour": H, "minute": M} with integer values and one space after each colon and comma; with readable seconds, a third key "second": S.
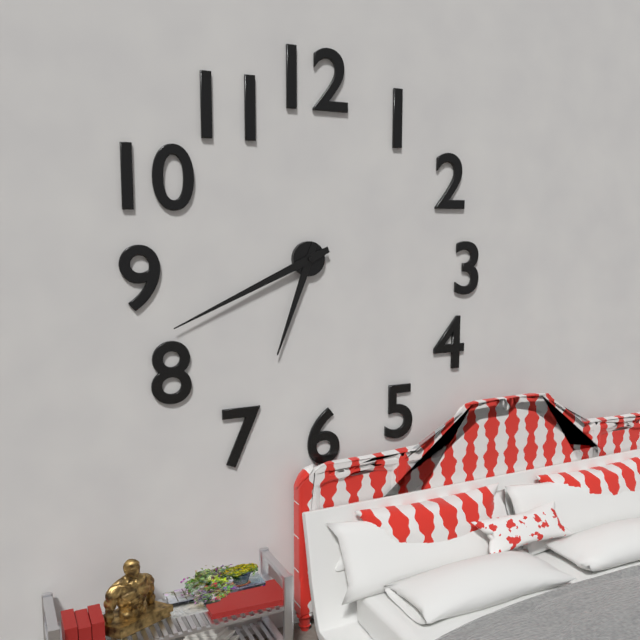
{"hour": 6, "minute": 41}
